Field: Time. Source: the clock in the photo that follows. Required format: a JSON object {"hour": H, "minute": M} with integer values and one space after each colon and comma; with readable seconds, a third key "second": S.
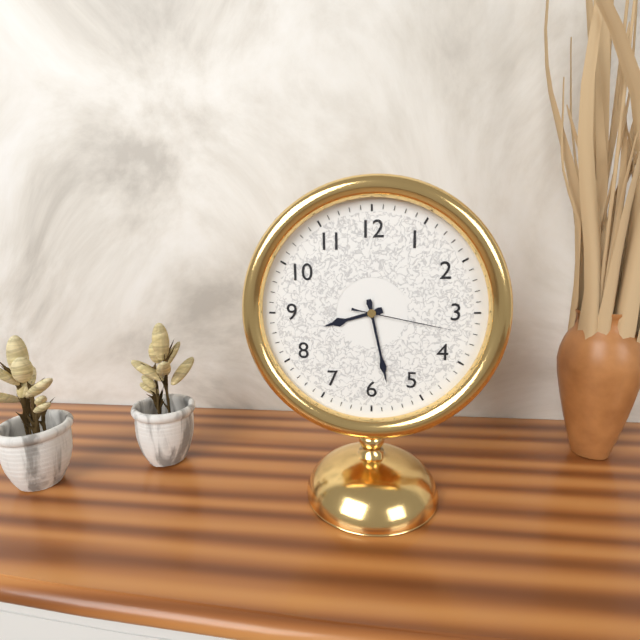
{"hour": 8, "minute": 28, "second": 17}
